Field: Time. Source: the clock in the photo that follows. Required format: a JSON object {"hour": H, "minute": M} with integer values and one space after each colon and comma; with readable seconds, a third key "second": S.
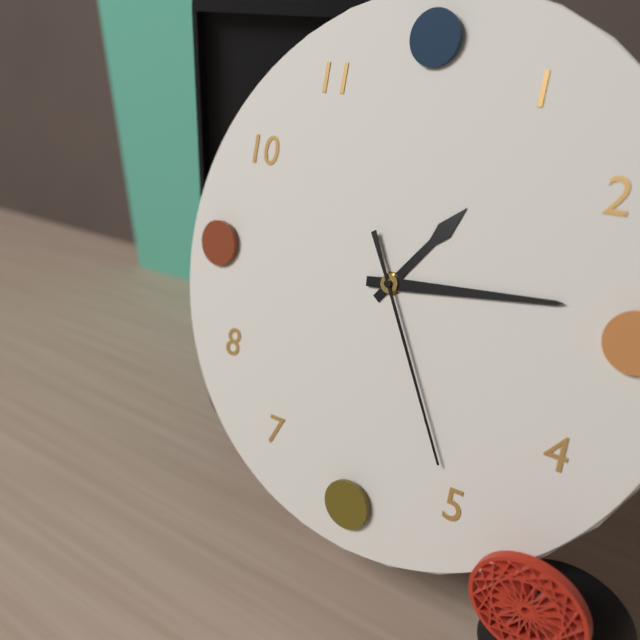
{"hour": 1, "minute": 14, "second": 25}
